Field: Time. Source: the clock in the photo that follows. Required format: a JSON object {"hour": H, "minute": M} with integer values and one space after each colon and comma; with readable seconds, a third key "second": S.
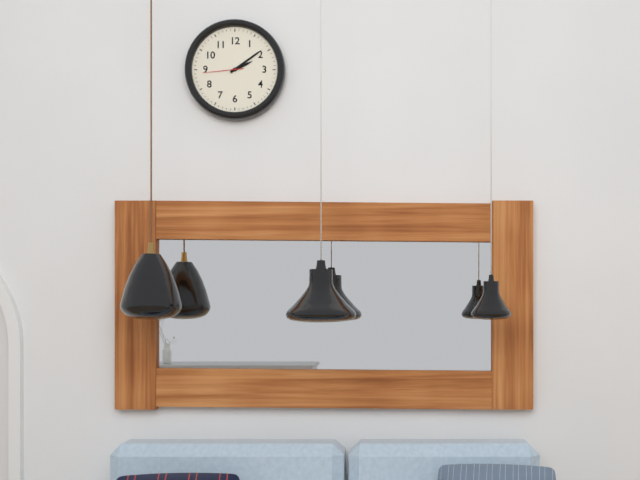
{"hour": 2, "minute": 9}
